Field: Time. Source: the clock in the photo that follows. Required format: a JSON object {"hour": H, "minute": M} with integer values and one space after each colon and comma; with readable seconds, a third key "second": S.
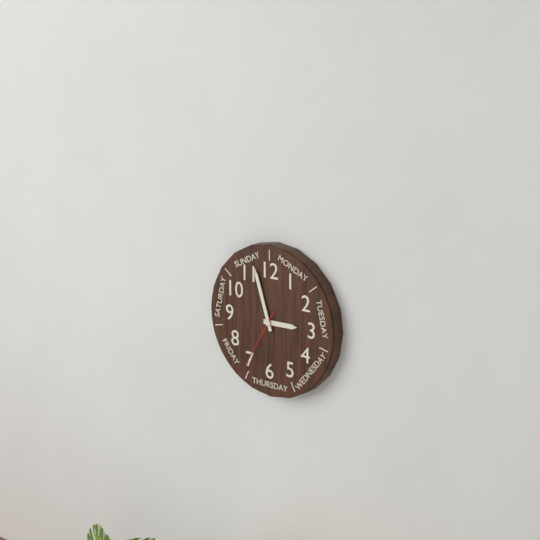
{"hour": 2, "minute": 57, "second": 35}
